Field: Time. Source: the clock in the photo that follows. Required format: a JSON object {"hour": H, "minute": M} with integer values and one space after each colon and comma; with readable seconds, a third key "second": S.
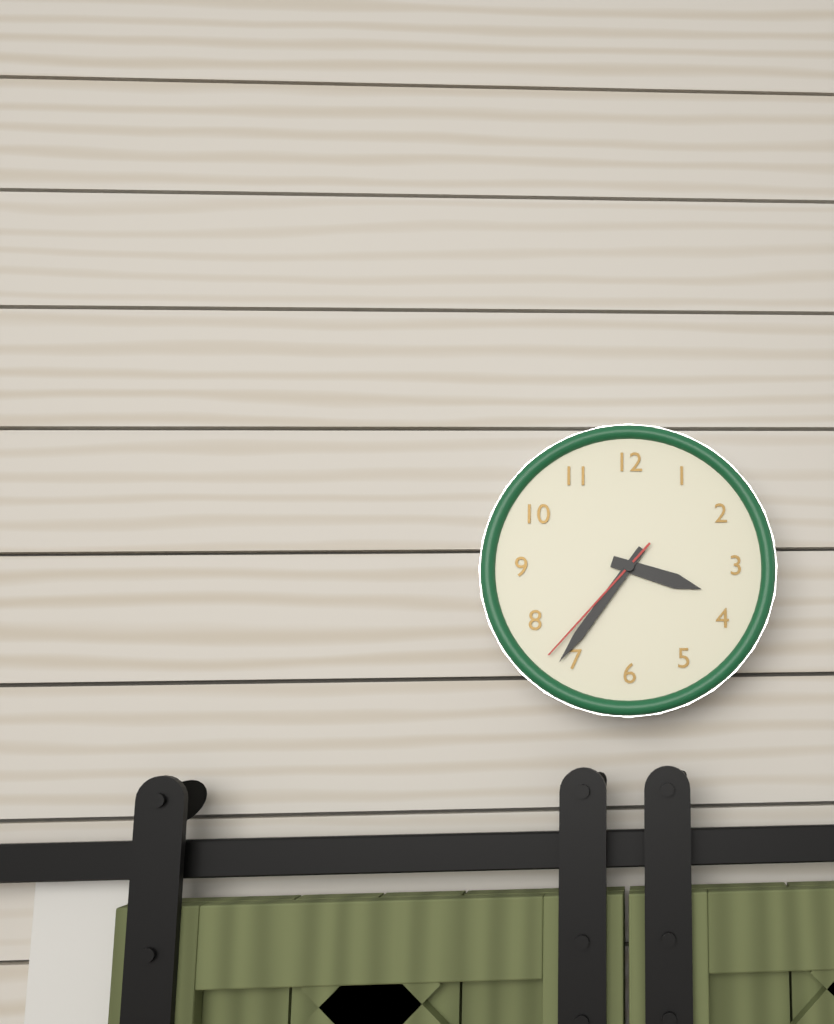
{"hour": 3, "minute": 36, "second": 37}
